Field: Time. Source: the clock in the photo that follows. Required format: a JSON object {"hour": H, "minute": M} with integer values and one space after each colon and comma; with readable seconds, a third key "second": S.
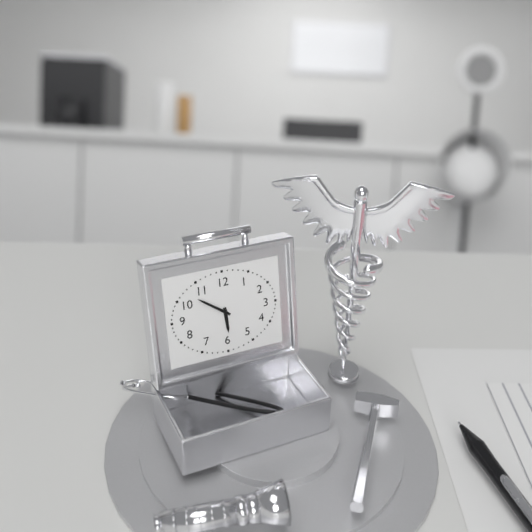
{"hour": 5, "minute": 51}
